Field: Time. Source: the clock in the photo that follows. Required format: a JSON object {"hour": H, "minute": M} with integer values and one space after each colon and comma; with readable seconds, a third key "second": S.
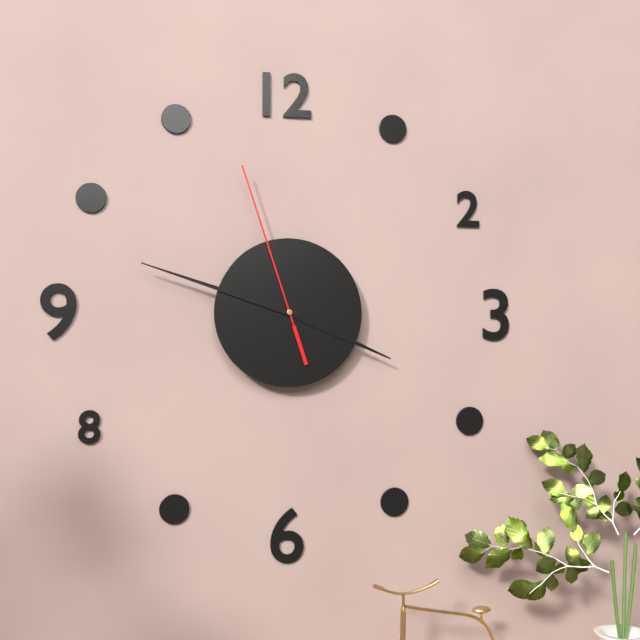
{"hour": 3, "minute": 48, "second": 57}
